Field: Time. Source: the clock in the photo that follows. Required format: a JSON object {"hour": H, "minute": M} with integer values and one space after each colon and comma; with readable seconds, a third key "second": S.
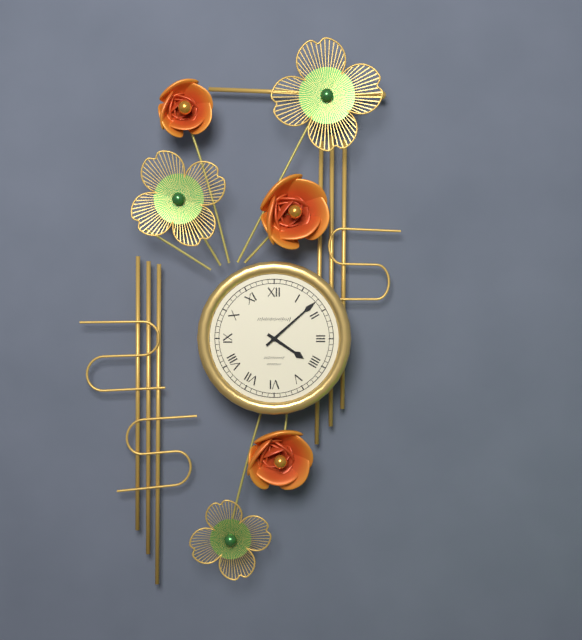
{"hour": 4, "minute": 8}
